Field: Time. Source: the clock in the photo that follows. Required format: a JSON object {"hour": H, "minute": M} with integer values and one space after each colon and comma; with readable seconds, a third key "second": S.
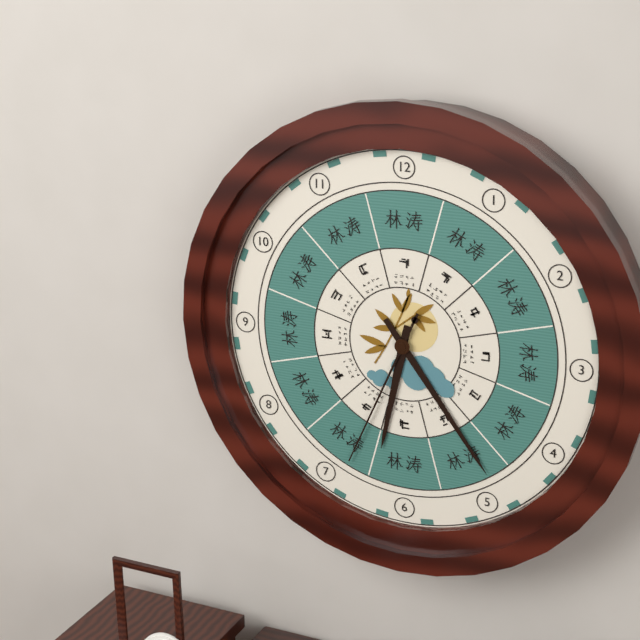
{"hour": 6, "minute": 24, "second": 34}
